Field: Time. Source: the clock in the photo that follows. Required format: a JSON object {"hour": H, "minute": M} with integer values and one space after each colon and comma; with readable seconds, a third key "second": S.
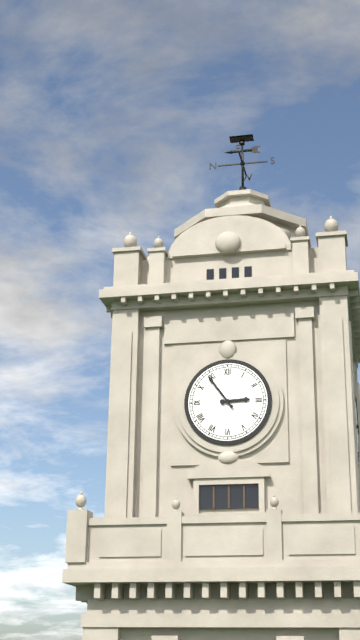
{"hour": 2, "minute": 54}
